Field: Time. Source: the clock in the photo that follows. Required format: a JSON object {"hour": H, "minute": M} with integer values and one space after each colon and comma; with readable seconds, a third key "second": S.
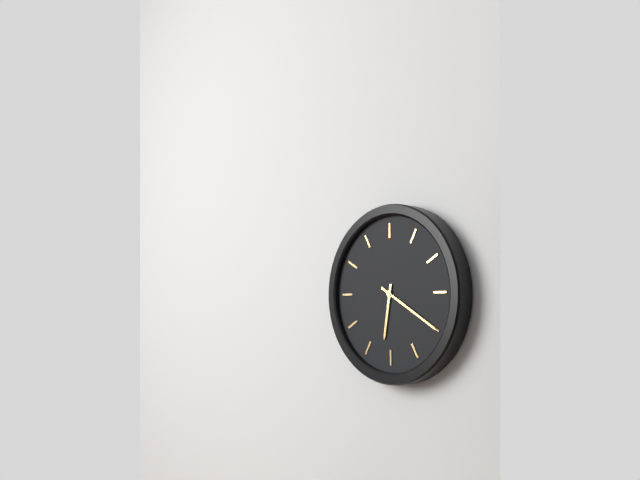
{"hour": 6, "minute": 20}
